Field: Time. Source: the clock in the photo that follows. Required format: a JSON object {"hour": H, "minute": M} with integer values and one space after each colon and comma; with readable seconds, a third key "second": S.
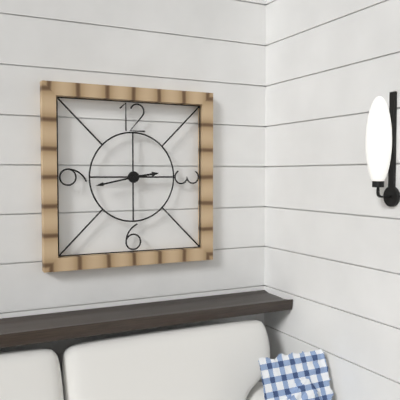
{"hour": 2, "minute": 43}
